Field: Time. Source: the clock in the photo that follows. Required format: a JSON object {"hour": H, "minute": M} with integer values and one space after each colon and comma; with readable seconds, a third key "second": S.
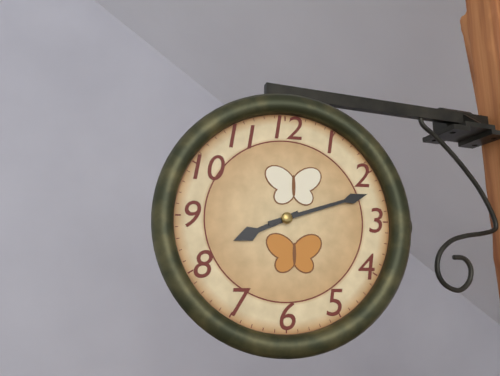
{"hour": 8, "minute": 12}
